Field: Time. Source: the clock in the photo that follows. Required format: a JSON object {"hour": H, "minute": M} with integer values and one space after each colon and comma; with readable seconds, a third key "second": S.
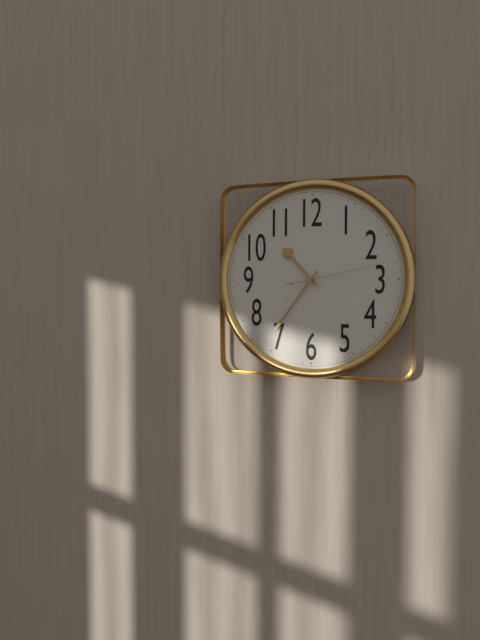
{"hour": 10, "minute": 36, "second": 13}
